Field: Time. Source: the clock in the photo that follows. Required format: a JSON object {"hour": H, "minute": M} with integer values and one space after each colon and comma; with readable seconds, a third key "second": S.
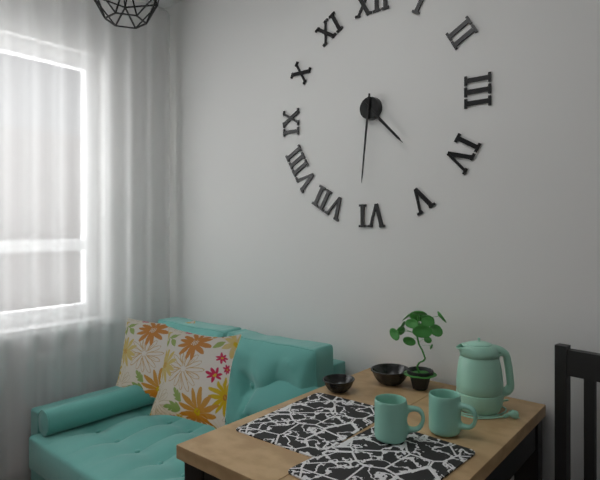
{"hour": 4, "minute": 31}
